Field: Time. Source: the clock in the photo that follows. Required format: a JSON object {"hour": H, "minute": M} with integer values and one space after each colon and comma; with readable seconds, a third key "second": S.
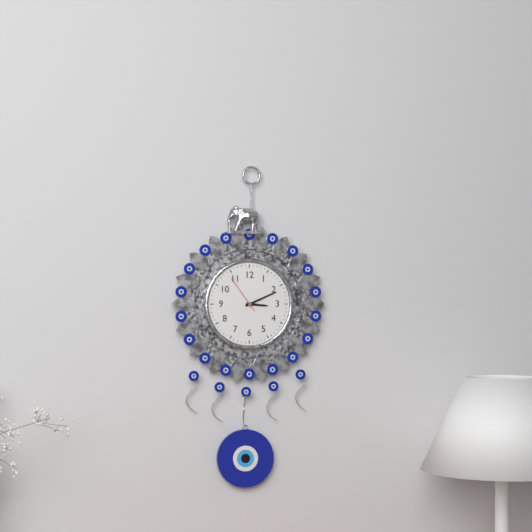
{"hour": 3, "minute": 11}
